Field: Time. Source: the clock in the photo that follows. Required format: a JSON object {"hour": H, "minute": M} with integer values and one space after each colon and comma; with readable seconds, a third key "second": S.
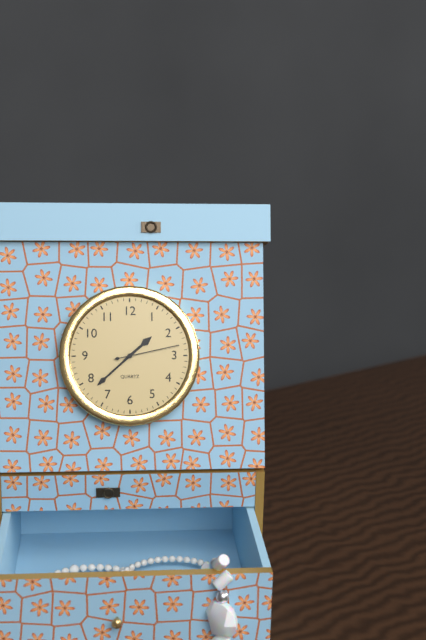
{"hour": 1, "minute": 38, "second": 13}
